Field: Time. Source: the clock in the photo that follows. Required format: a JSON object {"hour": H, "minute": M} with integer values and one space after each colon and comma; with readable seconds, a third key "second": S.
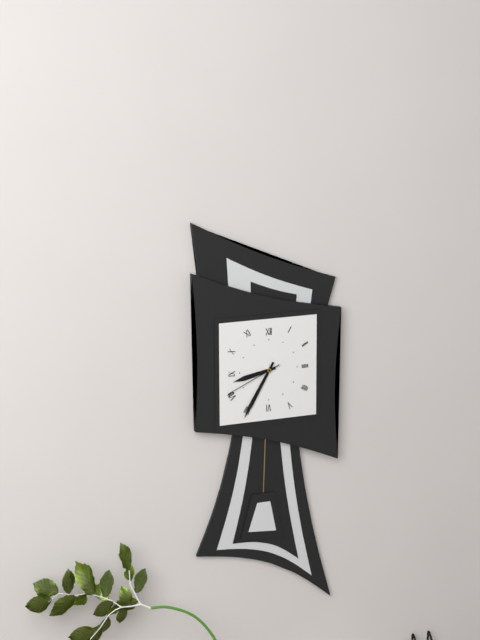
{"hour": 8, "minute": 35, "second": 41}
